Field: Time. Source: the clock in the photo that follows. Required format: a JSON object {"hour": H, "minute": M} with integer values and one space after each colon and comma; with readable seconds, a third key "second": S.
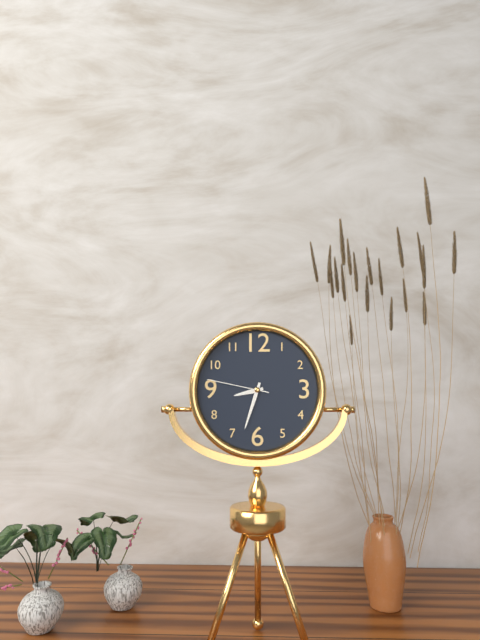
{"hour": 8, "minute": 33, "second": 47}
